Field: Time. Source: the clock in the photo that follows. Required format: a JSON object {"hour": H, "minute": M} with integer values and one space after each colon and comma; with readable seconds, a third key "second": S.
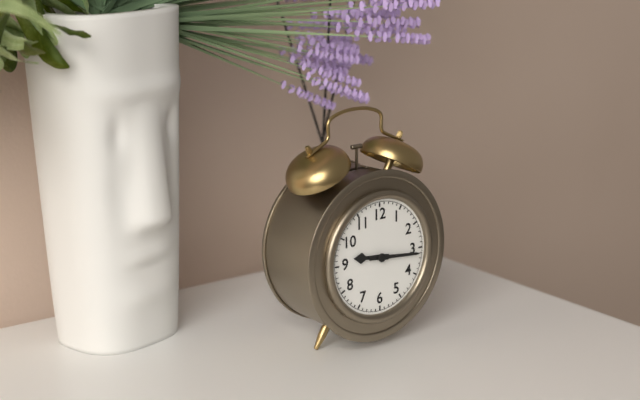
{"hour": 9, "minute": 16}
